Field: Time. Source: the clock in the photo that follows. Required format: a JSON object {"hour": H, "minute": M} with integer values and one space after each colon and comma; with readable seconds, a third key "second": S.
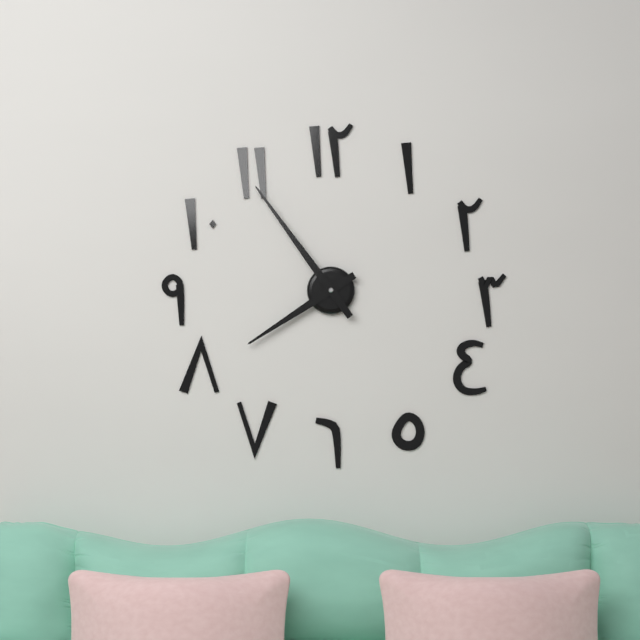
{"hour": 7, "minute": 54}
